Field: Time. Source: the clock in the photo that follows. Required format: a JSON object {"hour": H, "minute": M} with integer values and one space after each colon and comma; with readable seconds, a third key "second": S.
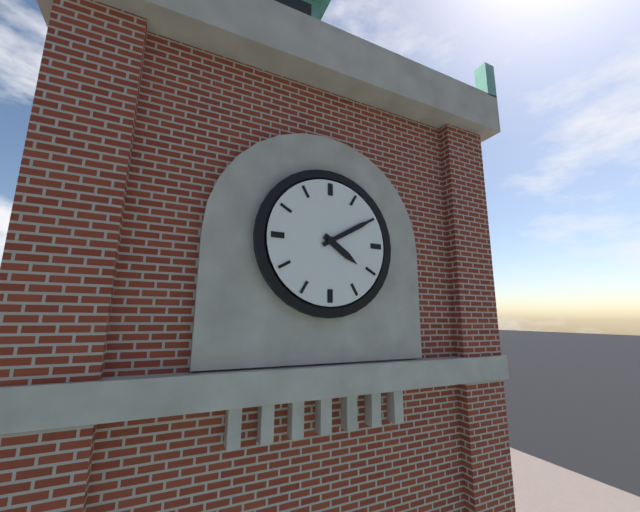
{"hour": 4, "minute": 10}
